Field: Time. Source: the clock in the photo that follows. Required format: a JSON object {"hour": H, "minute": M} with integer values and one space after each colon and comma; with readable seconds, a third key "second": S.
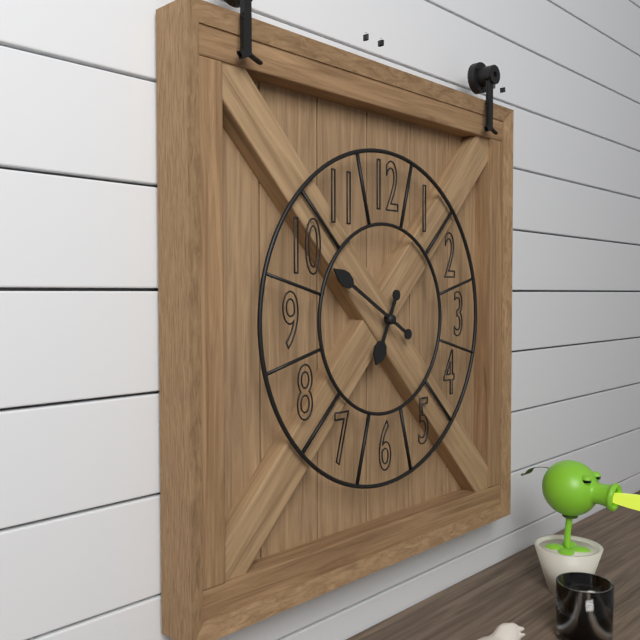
{"hour": 6, "minute": 50}
